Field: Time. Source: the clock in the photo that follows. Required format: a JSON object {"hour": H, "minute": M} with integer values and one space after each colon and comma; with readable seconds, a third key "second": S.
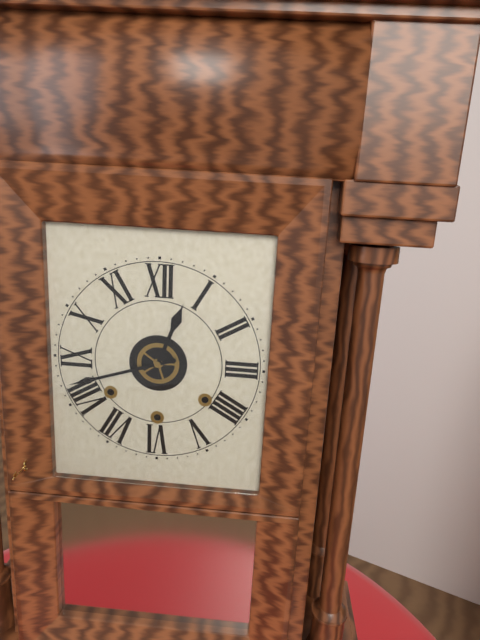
{"hour": 12, "minute": 42}
